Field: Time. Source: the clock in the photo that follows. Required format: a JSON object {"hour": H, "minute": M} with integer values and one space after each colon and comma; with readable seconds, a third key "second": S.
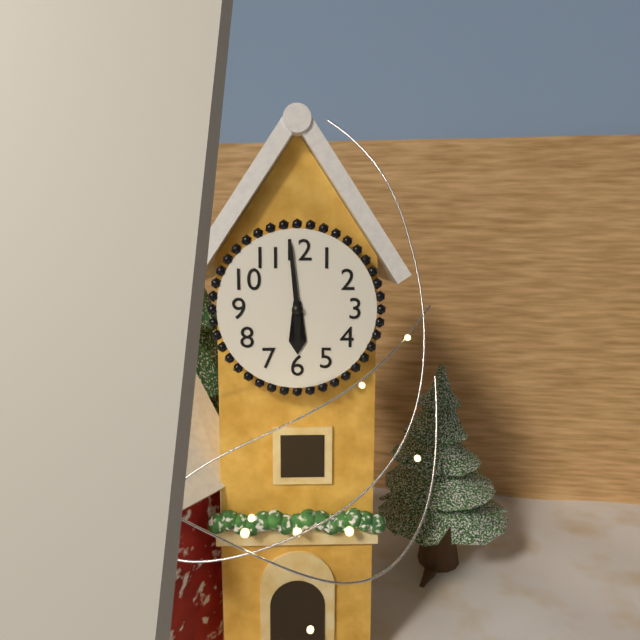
{"hour": 5, "minute": 59}
